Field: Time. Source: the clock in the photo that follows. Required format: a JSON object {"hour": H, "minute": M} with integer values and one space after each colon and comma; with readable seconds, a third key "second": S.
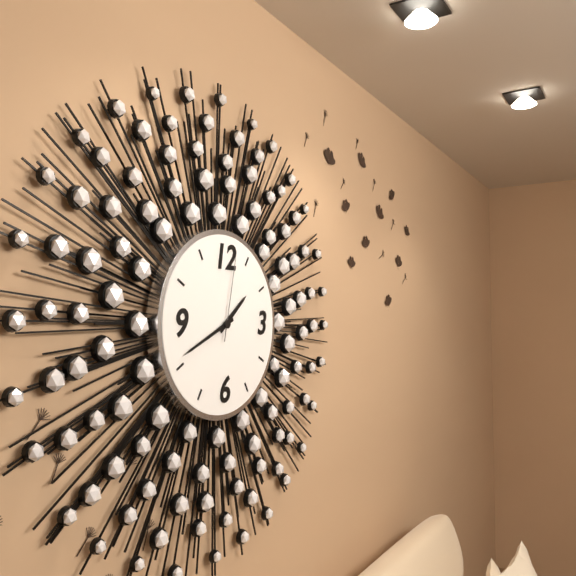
{"hour": 1, "minute": 41, "second": 2}
